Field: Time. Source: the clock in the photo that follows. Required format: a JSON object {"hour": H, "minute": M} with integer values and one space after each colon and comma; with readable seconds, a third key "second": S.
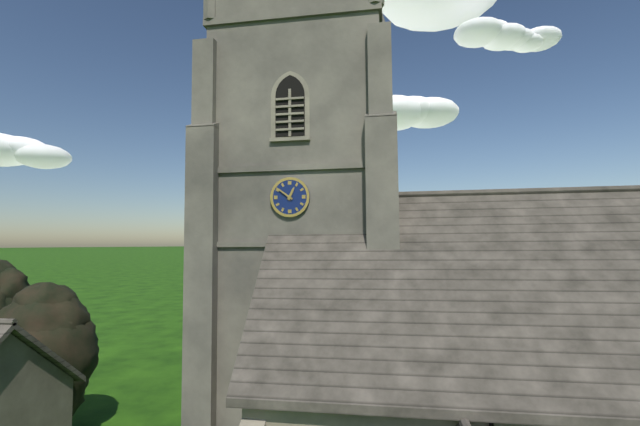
{"hour": 12, "minute": 51}
